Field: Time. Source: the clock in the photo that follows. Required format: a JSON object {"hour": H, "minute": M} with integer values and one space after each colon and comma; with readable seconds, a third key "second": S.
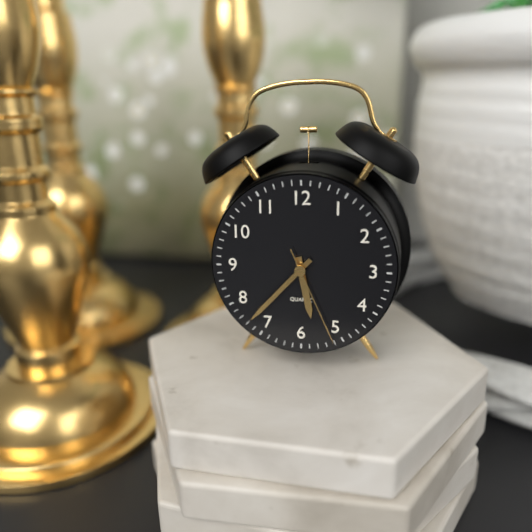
{"hour": 5, "minute": 37, "second": 26}
